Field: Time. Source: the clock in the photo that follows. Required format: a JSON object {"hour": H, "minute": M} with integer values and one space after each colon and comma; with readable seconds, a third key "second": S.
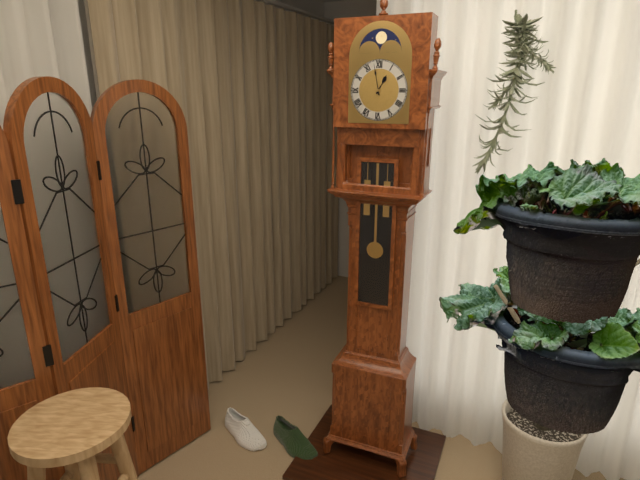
{"hour": 12, "minute": 58}
